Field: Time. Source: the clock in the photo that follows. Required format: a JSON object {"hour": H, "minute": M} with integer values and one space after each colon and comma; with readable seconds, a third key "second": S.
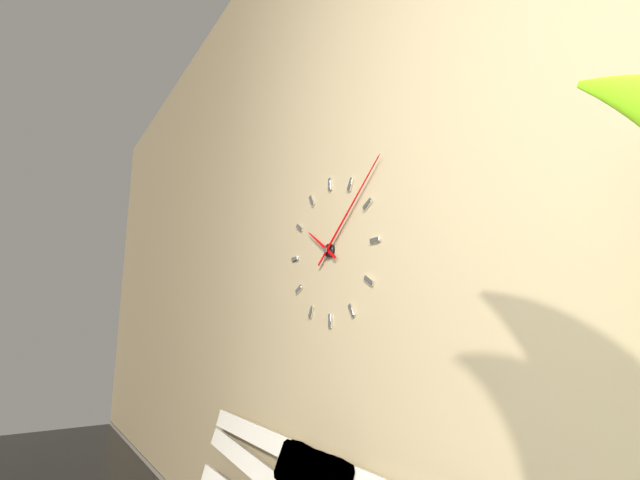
{"hour": 10, "minute": 8}
